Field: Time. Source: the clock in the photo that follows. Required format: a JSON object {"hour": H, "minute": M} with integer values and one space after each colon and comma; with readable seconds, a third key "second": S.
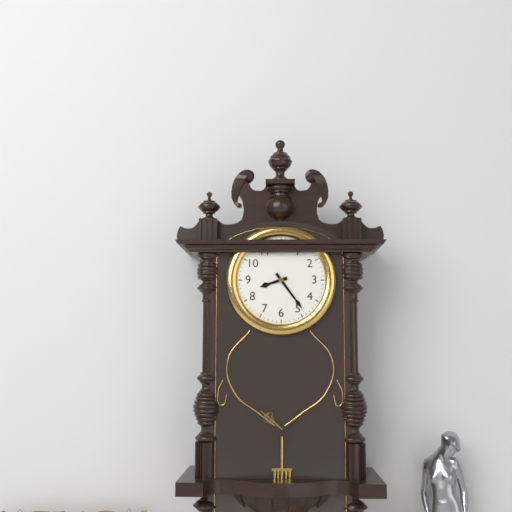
{"hour": 8, "minute": 24}
